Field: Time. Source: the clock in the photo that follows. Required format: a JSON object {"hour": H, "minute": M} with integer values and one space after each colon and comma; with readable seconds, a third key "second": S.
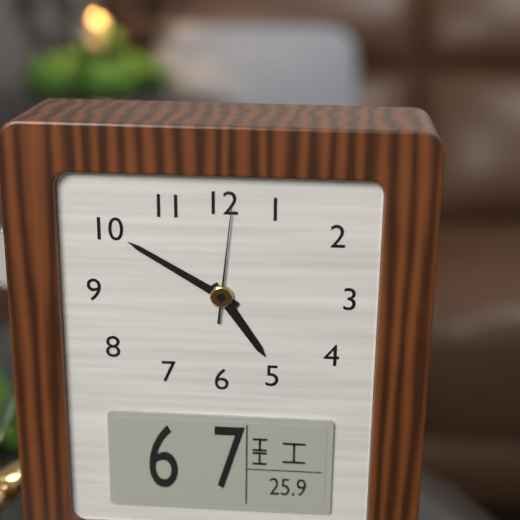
{"hour": 4, "minute": 50, "second": 1}
